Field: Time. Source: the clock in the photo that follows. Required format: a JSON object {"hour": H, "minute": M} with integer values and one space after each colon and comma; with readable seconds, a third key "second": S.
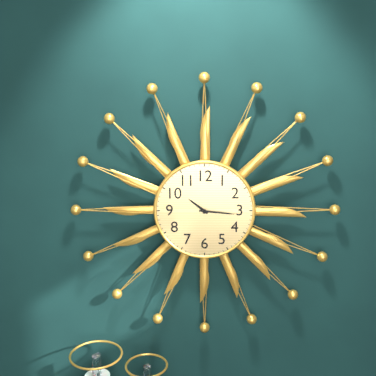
{"hour": 10, "minute": 16}
